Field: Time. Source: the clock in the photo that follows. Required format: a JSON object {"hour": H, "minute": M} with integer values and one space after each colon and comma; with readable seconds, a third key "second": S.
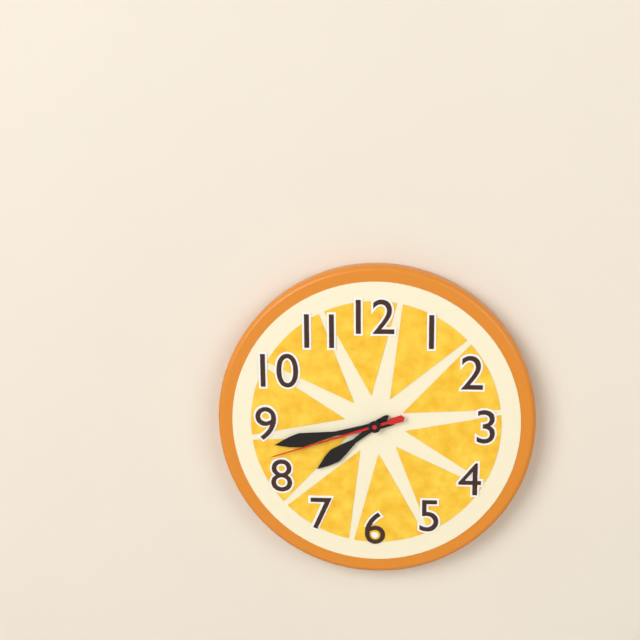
{"hour": 7, "minute": 43, "second": 42}
